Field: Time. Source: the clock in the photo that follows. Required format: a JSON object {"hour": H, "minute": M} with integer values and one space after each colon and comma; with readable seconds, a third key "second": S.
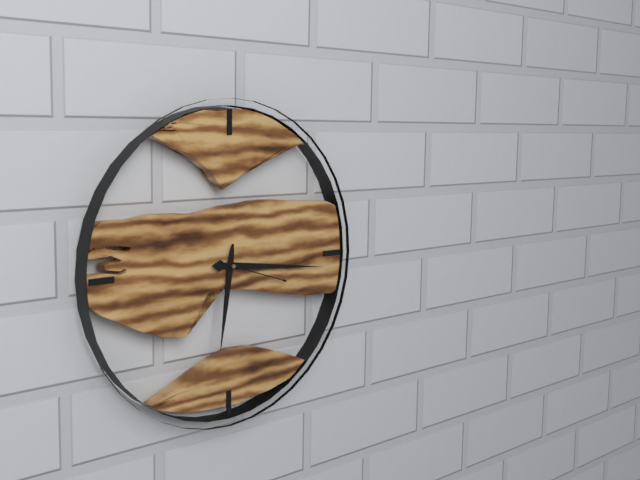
{"hour": 6, "minute": 16, "second": 18}
